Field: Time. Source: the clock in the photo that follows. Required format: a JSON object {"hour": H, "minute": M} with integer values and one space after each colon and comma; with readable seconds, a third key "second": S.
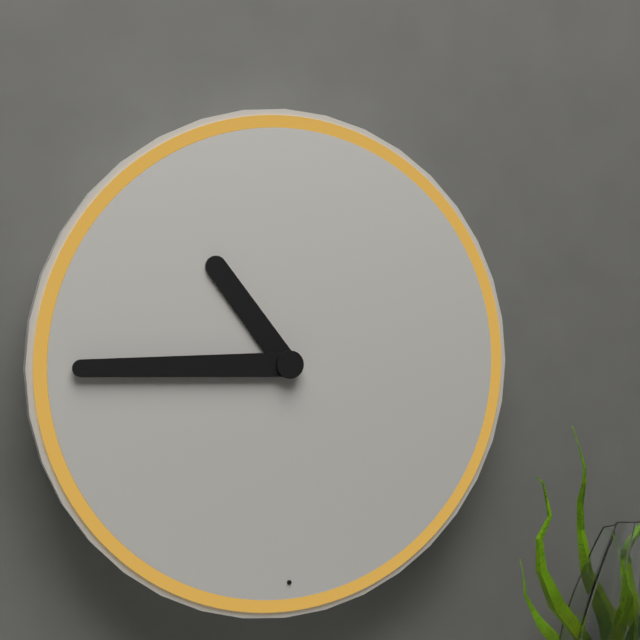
{"hour": 10, "minute": 45}
